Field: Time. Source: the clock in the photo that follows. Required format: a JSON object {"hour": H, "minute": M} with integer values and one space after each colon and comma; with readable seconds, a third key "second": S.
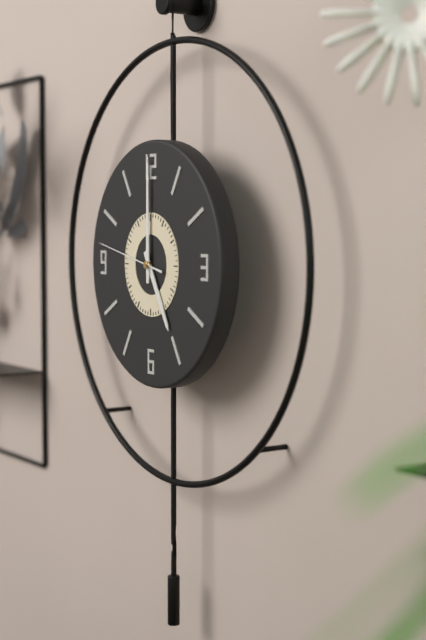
{"hour": 5, "minute": 0, "second": 47}
